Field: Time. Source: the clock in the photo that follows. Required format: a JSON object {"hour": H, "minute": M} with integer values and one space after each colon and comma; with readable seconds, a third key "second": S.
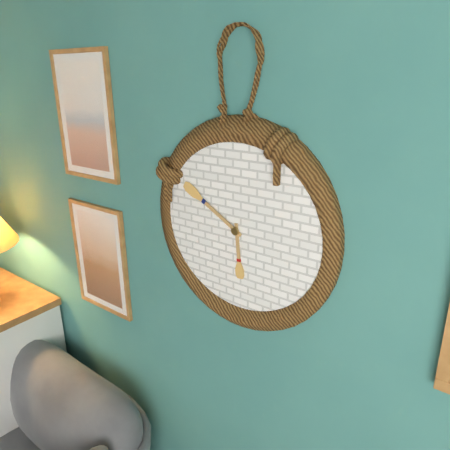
{"hour": 5, "minute": 50}
